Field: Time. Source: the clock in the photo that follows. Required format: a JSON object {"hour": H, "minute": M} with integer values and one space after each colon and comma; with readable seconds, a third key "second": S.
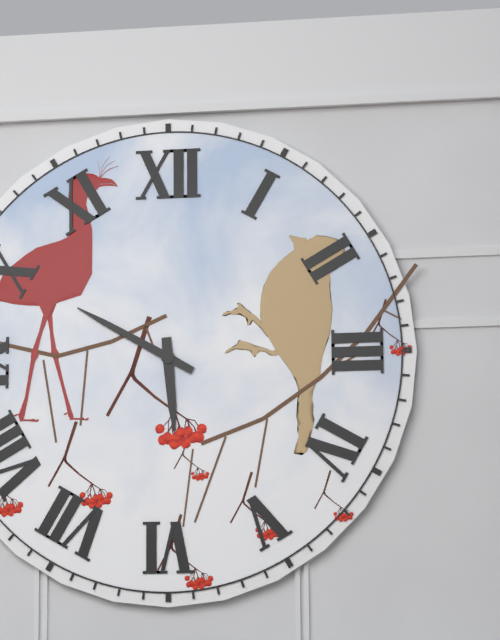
{"hour": 5, "minute": 50}
